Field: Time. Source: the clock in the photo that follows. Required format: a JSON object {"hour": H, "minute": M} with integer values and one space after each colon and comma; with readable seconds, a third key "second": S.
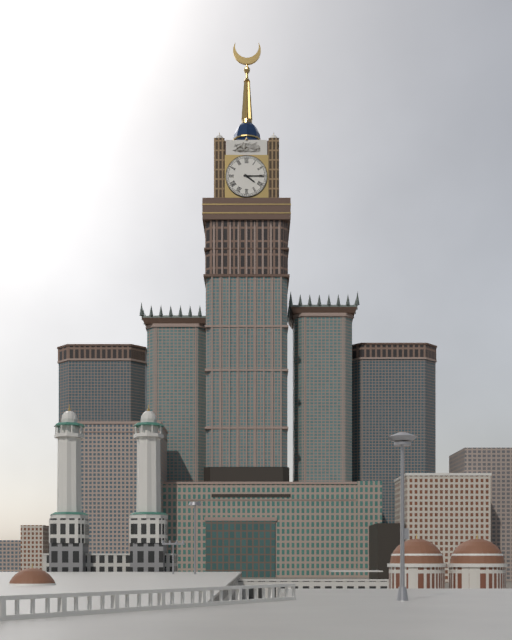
{"hour": 4, "minute": 15}
